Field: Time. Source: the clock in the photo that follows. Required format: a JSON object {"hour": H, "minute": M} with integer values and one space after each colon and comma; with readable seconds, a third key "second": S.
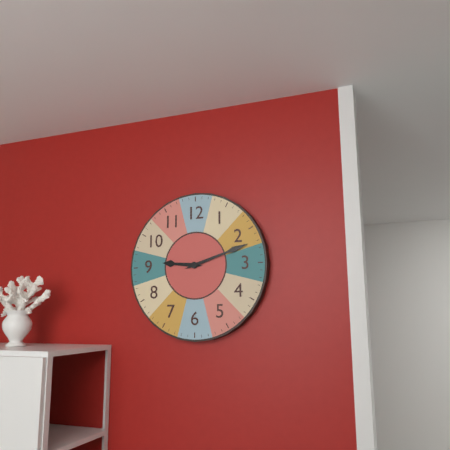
{"hour": 9, "minute": 12}
